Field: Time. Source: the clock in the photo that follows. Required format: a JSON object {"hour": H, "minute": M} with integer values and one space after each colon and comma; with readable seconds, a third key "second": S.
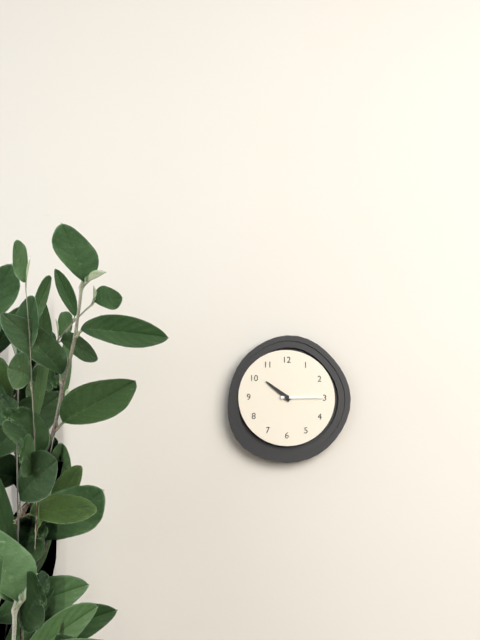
{"hour": 10, "minute": 15}
